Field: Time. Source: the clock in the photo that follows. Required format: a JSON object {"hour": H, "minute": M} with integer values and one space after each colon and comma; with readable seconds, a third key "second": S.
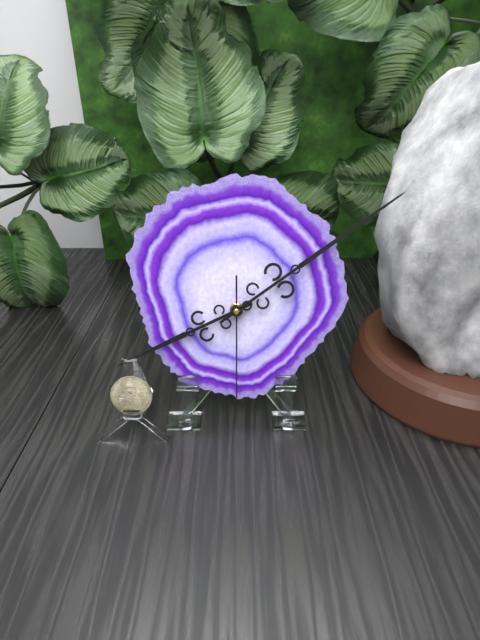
{"hour": 8, "minute": 9, "second": 30}
